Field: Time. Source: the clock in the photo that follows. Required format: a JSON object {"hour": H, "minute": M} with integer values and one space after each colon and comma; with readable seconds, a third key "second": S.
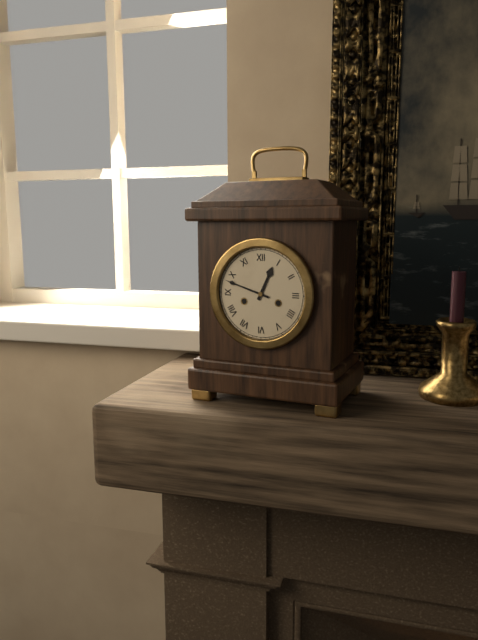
{"hour": 12, "minute": 48}
